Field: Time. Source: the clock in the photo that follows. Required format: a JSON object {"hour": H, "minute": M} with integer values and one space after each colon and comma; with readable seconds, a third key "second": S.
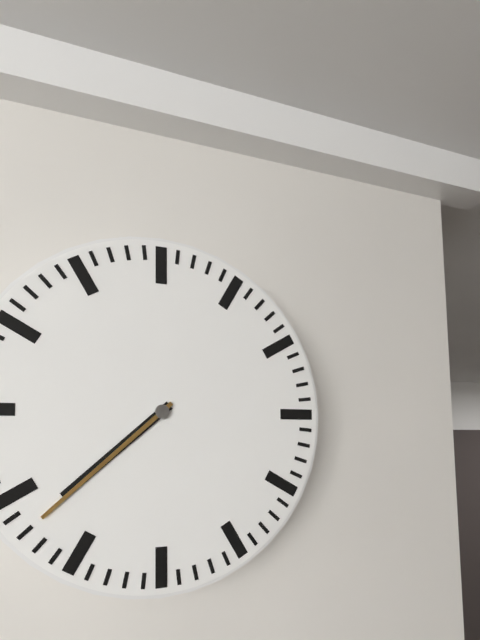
{"hour": 7, "minute": 38}
